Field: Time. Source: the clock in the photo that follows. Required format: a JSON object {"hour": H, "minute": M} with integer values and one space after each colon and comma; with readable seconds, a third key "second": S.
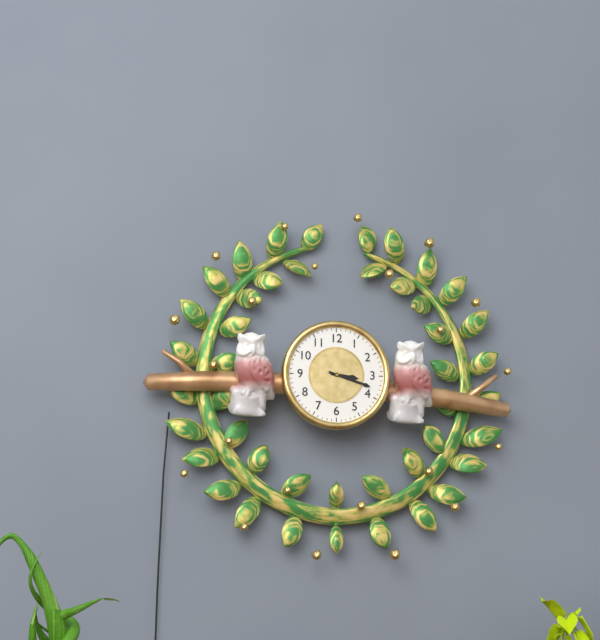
{"hour": 3, "minute": 18}
